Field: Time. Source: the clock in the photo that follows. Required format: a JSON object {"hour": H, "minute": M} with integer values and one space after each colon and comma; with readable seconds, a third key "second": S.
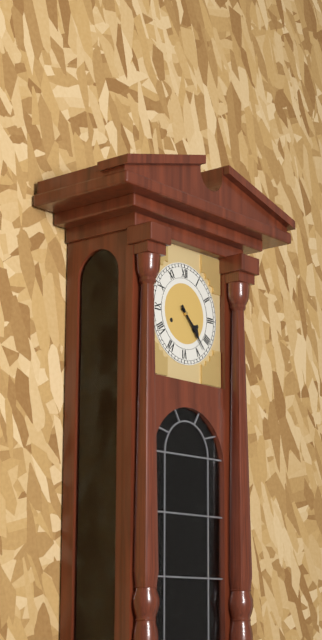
{"hour": 4, "minute": 23}
